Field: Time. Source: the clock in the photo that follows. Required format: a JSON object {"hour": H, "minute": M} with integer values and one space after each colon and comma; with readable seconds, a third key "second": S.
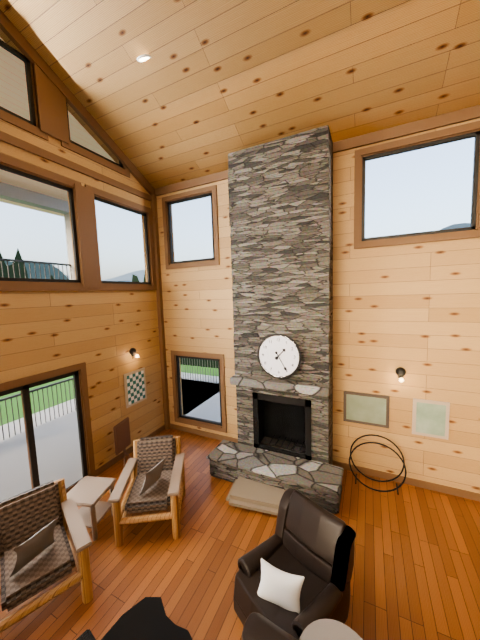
{"hour": 1, "minute": 25}
